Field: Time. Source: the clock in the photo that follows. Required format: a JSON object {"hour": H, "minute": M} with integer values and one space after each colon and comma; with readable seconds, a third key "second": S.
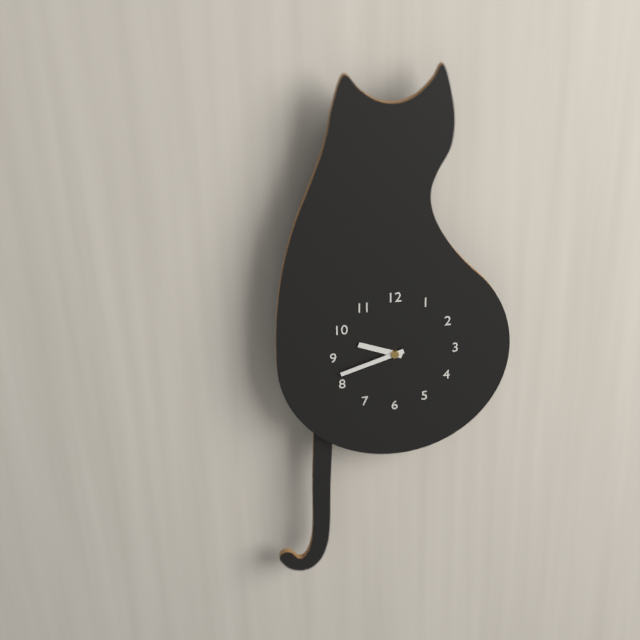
{"hour": 9, "minute": 42}
